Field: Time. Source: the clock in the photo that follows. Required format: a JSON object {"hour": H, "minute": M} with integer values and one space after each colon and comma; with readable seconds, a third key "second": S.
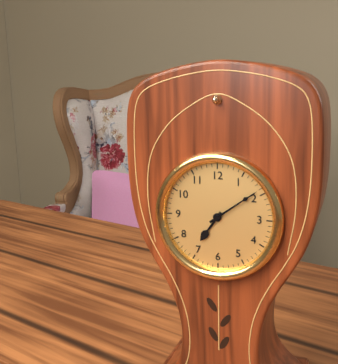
{"hour": 7, "minute": 9}
